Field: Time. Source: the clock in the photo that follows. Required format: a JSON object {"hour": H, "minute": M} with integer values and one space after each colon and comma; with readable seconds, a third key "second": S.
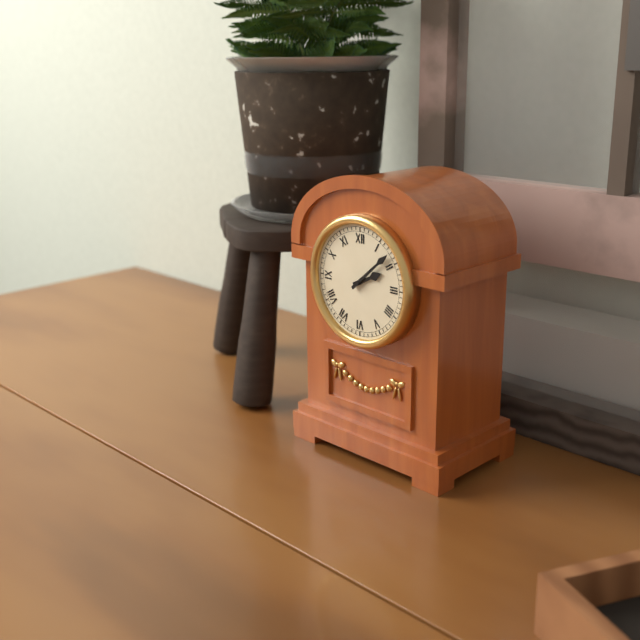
{"hour": 2, "minute": 8}
